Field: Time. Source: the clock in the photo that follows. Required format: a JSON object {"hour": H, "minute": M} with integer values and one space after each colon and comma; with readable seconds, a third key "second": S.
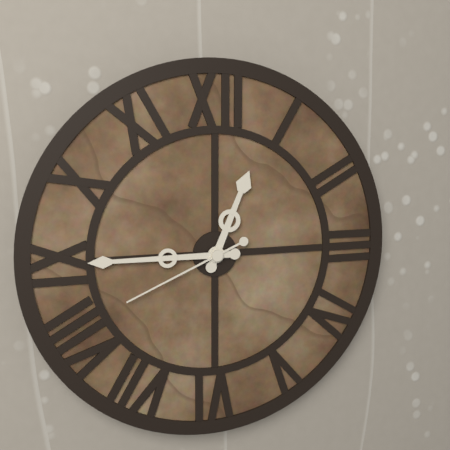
{"hour": 12, "minute": 45, "second": 41}
